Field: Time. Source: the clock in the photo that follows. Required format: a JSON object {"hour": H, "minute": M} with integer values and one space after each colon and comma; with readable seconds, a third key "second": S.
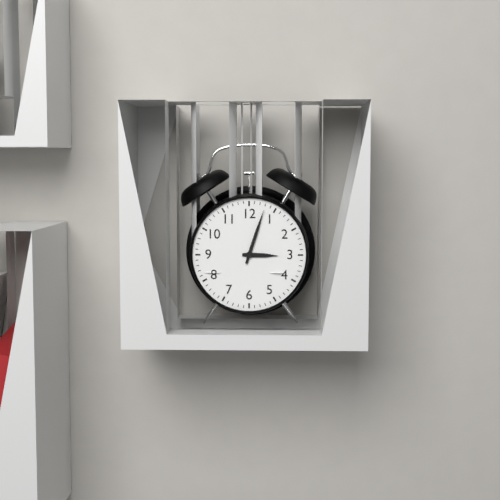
{"hour": 3, "minute": 3}
